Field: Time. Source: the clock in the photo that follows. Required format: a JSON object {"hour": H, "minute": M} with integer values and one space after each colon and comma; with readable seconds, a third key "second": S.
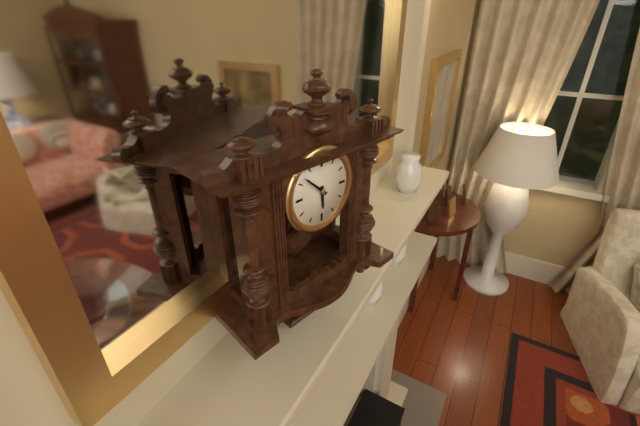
{"hour": 5, "minute": 52}
